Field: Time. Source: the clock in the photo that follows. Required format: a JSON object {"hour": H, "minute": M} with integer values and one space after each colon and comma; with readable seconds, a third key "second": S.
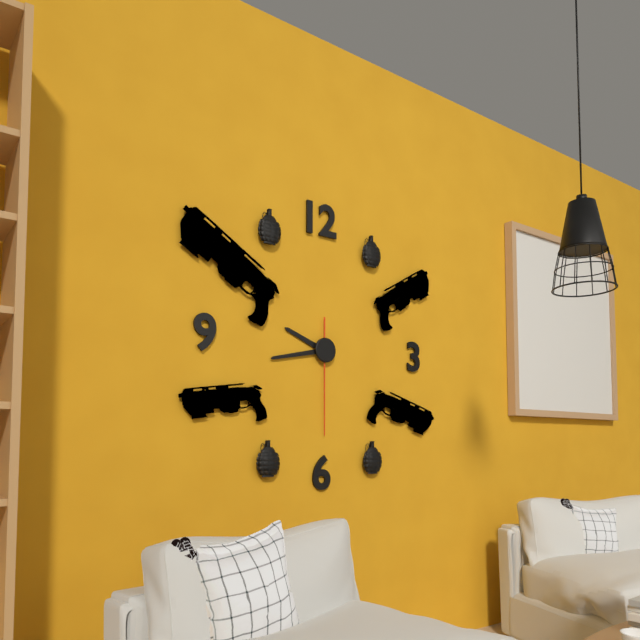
{"hour": 9, "minute": 43, "second": 30}
